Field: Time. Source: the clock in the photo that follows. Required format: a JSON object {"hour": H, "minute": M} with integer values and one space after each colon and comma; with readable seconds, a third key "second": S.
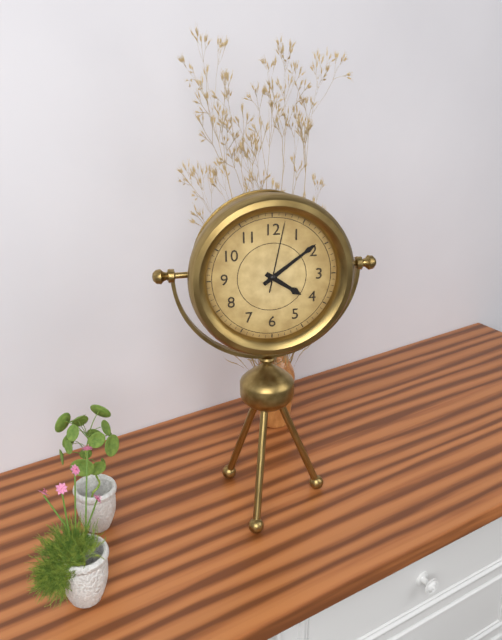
{"hour": 4, "minute": 9, "second": 2}
